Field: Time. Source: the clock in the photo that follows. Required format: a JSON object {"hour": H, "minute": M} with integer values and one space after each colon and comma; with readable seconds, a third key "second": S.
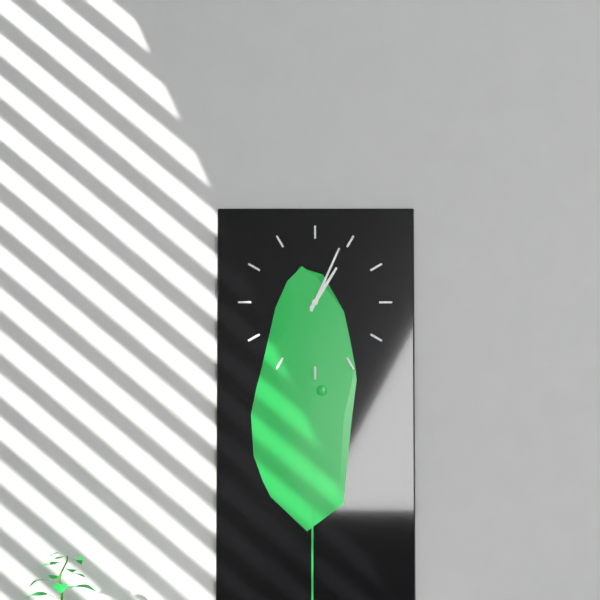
{"hour": 1, "minute": 4}
